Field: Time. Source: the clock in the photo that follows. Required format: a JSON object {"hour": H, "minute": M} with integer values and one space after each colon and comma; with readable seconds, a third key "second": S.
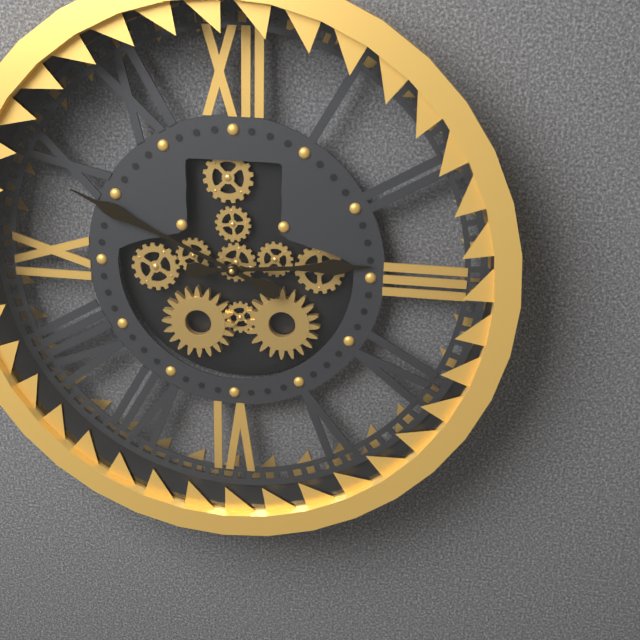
{"hour": 2, "minute": 49}
